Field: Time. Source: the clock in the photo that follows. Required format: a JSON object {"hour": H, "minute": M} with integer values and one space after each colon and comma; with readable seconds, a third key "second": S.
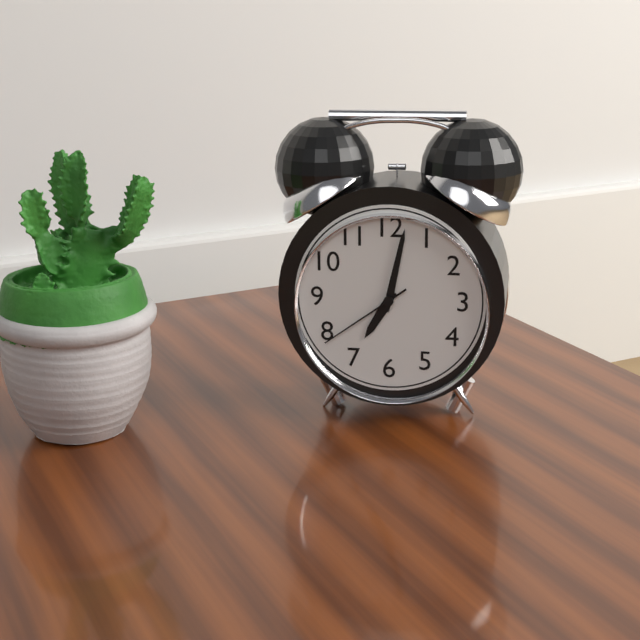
{"hour": 7, "minute": 2, "second": 39}
